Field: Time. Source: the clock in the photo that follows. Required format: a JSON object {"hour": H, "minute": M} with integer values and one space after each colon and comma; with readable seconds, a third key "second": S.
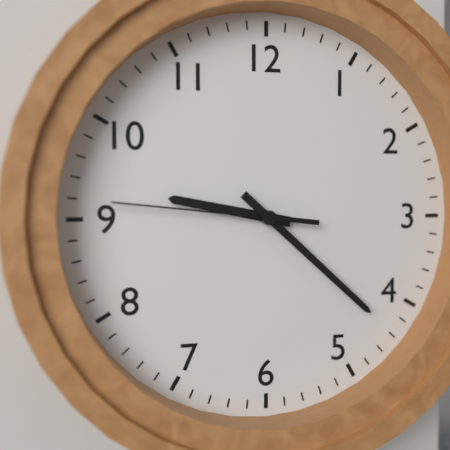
{"hour": 9, "minute": 22, "second": 46}
